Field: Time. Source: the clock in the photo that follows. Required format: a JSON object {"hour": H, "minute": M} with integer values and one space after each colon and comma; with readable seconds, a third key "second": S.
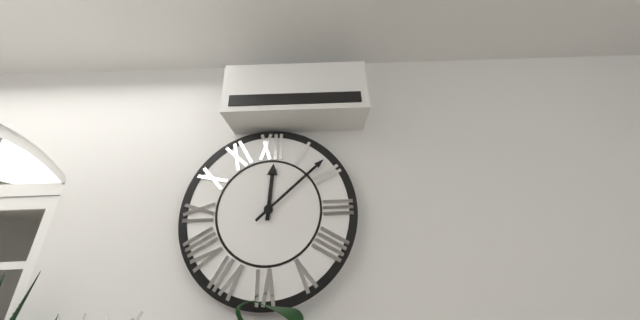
{"hour": 12, "minute": 8}
